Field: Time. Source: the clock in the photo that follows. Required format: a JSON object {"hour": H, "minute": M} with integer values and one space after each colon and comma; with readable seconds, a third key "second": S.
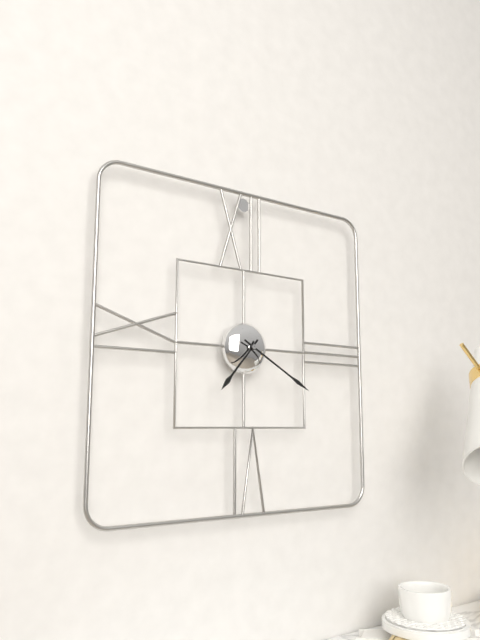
{"hour": 7, "minute": 20}
